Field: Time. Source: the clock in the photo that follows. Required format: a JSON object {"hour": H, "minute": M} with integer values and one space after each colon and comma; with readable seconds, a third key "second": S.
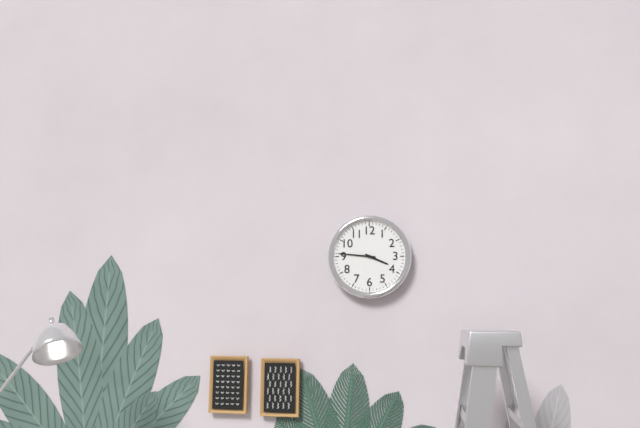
{"hour": 3, "minute": 46}
